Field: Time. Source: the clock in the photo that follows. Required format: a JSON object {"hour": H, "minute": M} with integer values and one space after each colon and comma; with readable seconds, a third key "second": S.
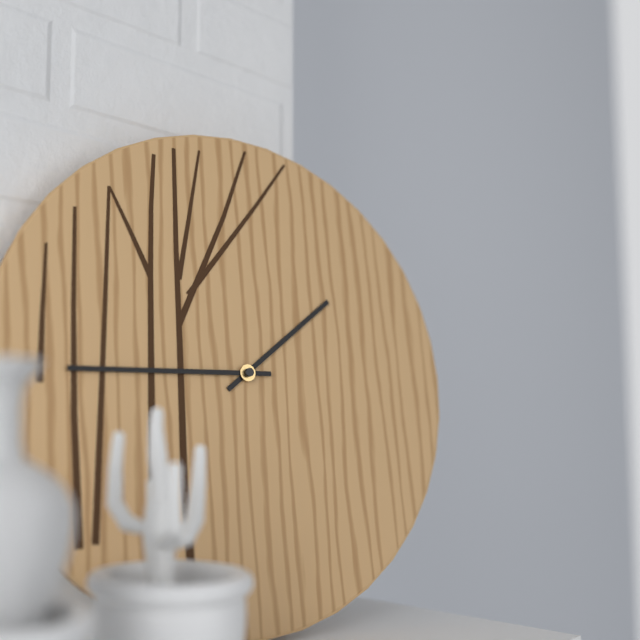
{"hour": 1, "minute": 45}
